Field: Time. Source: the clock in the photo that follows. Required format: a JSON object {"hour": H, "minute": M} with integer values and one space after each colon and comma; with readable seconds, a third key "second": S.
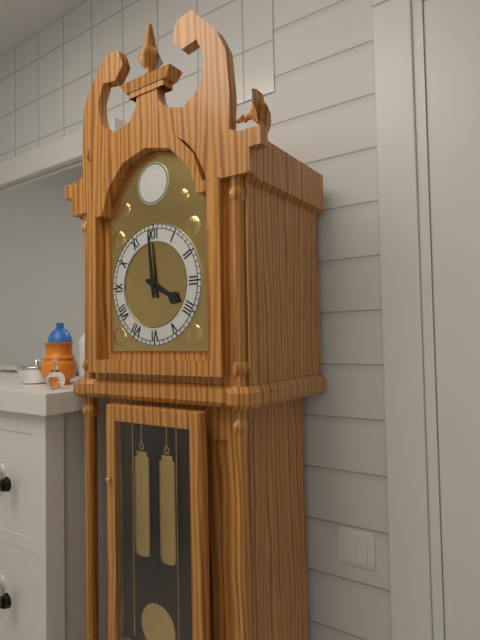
{"hour": 3, "minute": 59}
